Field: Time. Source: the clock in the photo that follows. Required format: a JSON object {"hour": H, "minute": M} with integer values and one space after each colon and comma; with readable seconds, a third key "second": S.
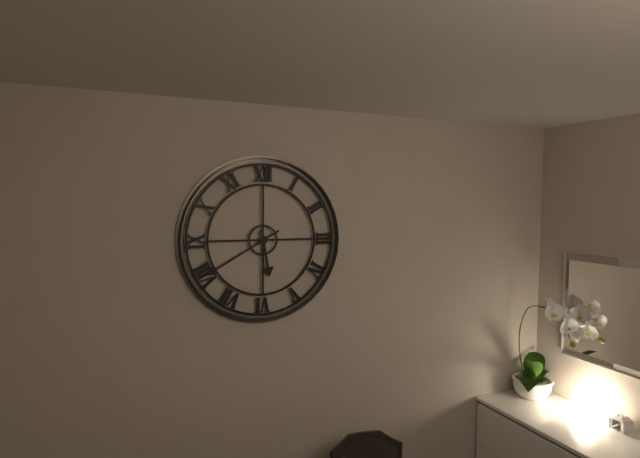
{"hour": 5, "minute": 40}
